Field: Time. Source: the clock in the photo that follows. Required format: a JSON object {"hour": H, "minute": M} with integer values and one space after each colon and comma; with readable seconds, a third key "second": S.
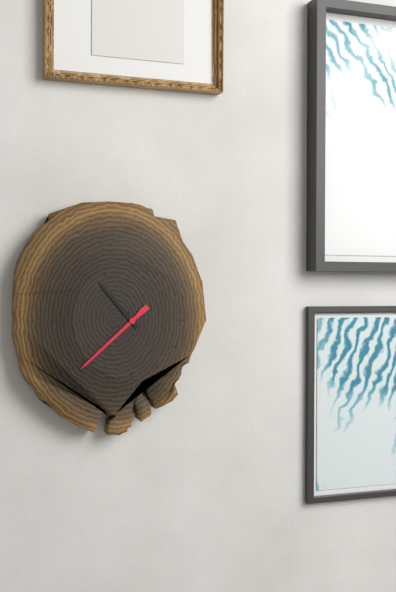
{"hour": 10, "minute": 38}
